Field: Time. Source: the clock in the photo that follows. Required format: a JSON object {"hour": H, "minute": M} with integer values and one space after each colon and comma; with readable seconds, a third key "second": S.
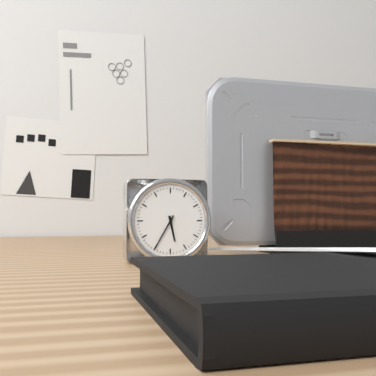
{"hour": 5, "minute": 35}
